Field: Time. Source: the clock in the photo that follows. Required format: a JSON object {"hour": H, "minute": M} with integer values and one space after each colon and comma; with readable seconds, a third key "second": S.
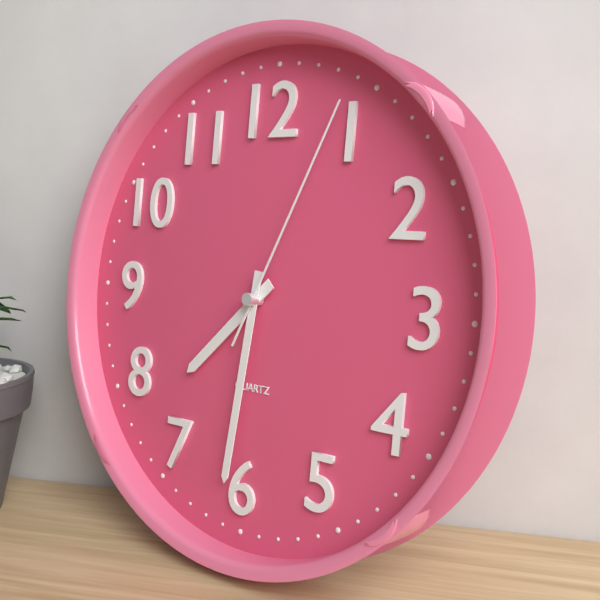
{"hour": 7, "minute": 31, "second": 4}
